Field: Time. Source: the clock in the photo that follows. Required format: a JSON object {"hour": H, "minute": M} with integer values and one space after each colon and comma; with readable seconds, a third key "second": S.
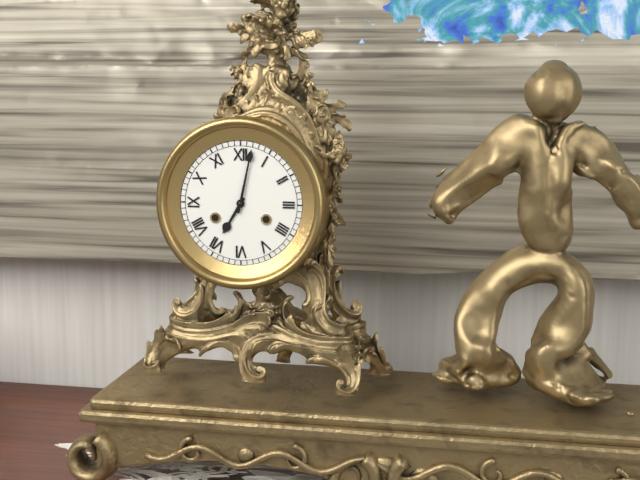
{"hour": 7, "minute": 2}
